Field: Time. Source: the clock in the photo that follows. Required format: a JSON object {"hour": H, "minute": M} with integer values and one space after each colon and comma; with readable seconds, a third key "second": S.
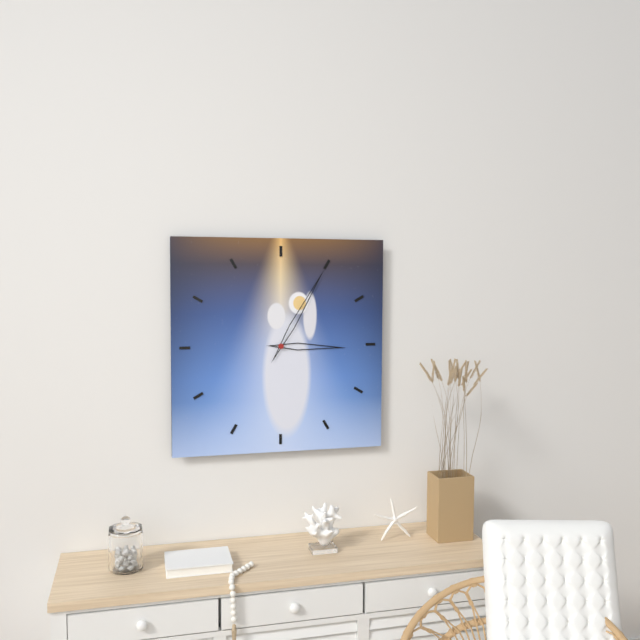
{"hour": 3, "minute": 5}
